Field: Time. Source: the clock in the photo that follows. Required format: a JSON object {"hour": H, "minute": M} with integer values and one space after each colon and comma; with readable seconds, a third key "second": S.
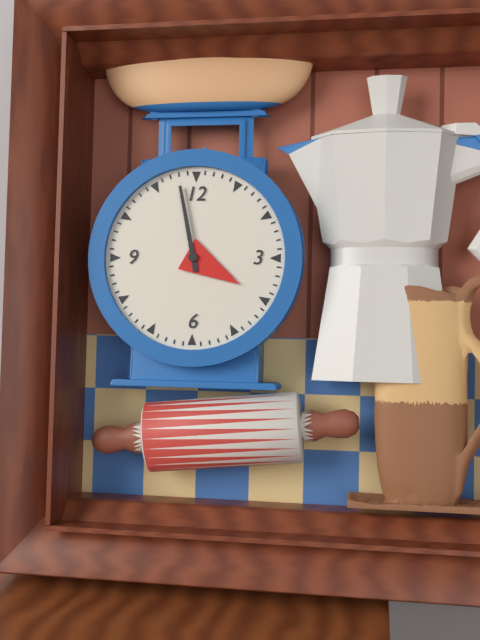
{"hour": 3, "minute": 58}
